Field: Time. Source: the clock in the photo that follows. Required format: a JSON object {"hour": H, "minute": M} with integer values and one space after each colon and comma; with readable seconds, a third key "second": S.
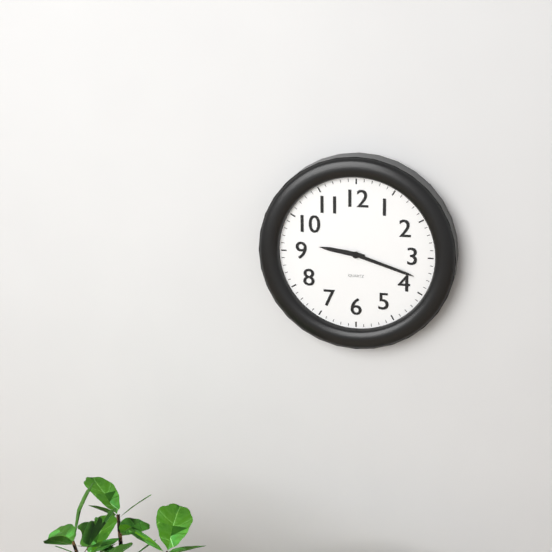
{"hour": 9, "minute": 18}
